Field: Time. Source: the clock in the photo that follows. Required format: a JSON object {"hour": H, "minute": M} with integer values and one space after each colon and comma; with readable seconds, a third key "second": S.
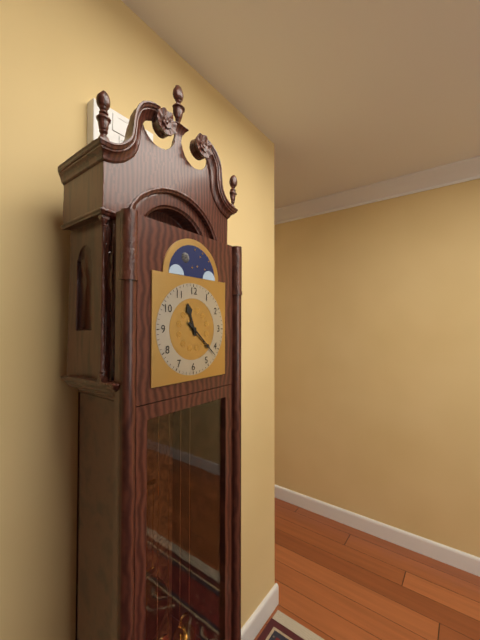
{"hour": 11, "minute": 22}
